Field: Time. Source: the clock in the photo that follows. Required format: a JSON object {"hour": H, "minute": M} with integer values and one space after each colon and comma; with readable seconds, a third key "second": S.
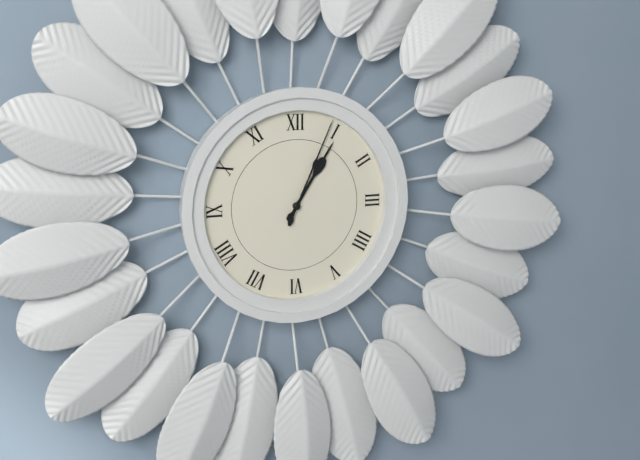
{"hour": 1, "minute": 4}
